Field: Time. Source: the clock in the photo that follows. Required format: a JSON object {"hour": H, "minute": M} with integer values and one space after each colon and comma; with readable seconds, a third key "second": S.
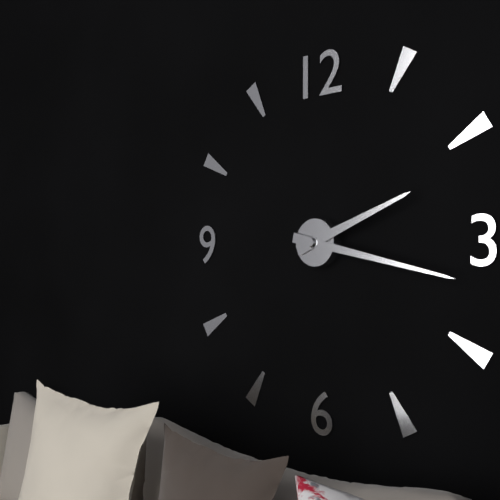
{"hour": 2, "minute": 17}
